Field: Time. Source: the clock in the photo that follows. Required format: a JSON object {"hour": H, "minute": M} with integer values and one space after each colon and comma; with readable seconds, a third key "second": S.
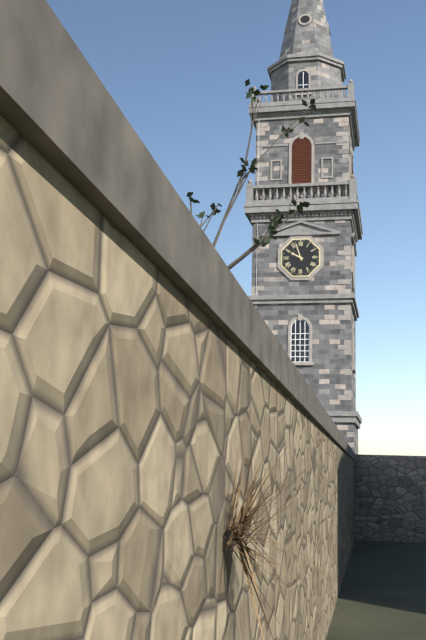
{"hour": 9, "minute": 57}
